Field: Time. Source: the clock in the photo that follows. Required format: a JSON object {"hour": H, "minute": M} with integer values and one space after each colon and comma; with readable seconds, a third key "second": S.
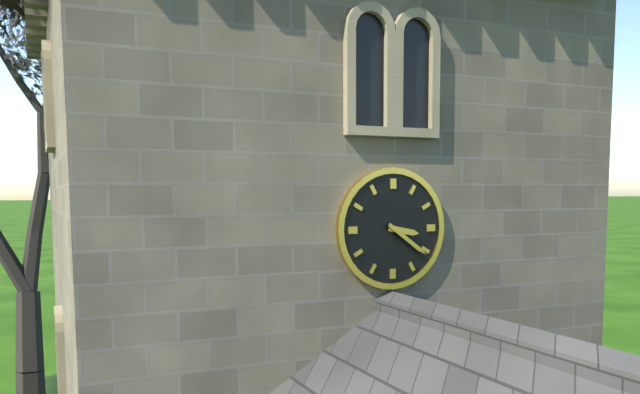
{"hour": 3, "minute": 21}
